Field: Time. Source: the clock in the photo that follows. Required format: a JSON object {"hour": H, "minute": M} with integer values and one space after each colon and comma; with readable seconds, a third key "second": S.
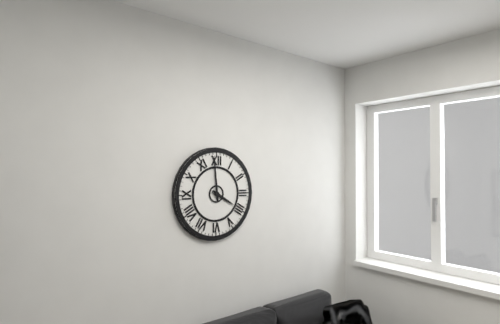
{"hour": 3, "minute": 59}
